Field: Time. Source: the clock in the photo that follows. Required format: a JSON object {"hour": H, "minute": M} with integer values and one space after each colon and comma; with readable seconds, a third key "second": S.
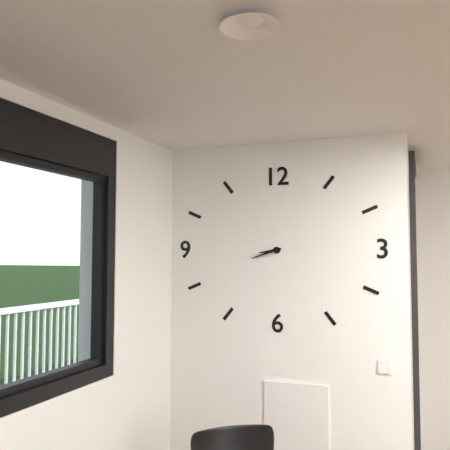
{"hour": 8, "minute": 42}
